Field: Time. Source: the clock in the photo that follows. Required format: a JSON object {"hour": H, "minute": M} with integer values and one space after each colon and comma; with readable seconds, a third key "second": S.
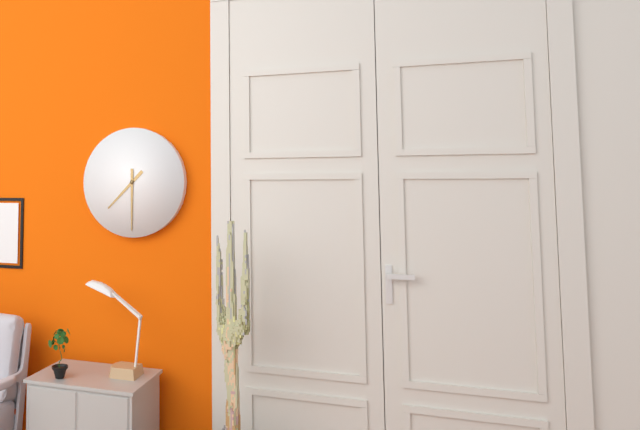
{"hour": 7, "minute": 30}
